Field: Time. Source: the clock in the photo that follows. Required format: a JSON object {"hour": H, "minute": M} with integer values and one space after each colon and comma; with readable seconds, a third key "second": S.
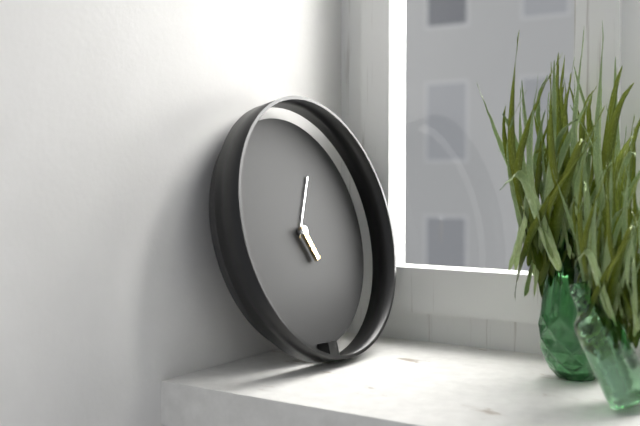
{"hour": 5, "minute": 5}
